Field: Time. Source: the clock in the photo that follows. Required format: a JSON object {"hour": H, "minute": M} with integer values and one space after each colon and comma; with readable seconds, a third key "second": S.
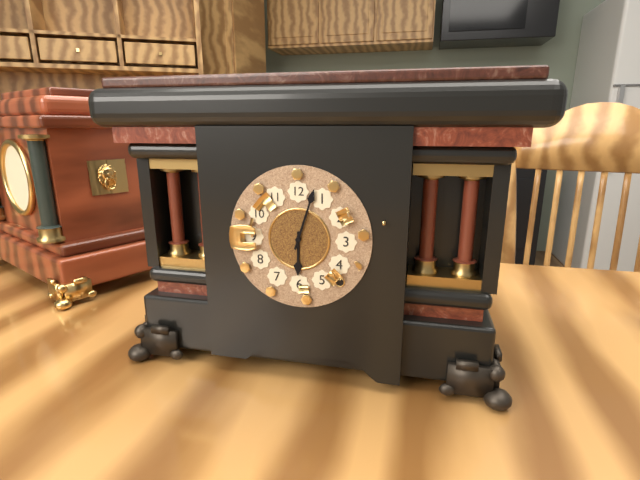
{"hour": 6, "minute": 3}
